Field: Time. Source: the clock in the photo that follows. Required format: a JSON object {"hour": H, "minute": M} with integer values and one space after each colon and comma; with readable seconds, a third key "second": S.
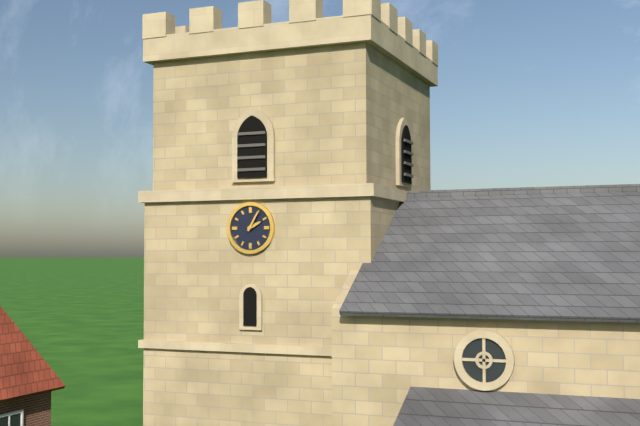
{"hour": 2, "minute": 5}
